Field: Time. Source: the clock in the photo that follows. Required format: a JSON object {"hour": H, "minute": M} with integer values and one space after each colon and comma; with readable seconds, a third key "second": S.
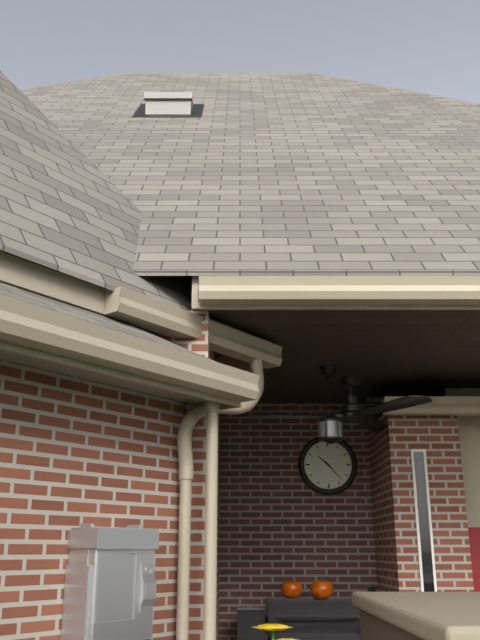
{"hour": 10, "minute": 23}
